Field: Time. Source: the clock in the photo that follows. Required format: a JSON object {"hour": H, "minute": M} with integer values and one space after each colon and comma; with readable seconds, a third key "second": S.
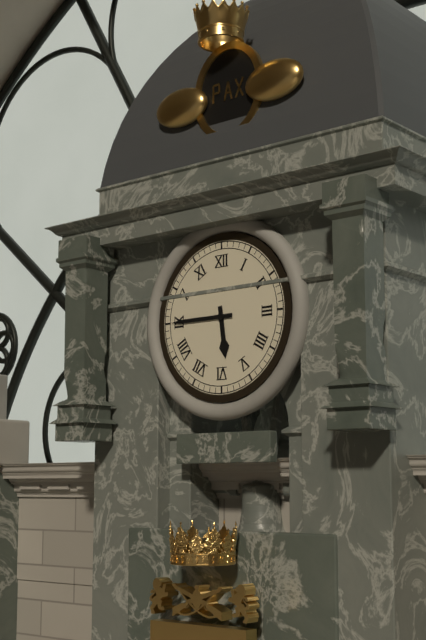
{"hour": 5, "minute": 45}
